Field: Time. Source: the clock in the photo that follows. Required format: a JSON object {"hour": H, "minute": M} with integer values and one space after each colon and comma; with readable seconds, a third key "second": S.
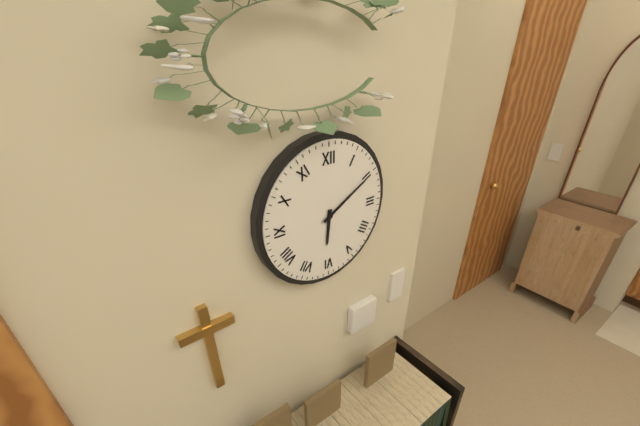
{"hour": 6, "minute": 10}
